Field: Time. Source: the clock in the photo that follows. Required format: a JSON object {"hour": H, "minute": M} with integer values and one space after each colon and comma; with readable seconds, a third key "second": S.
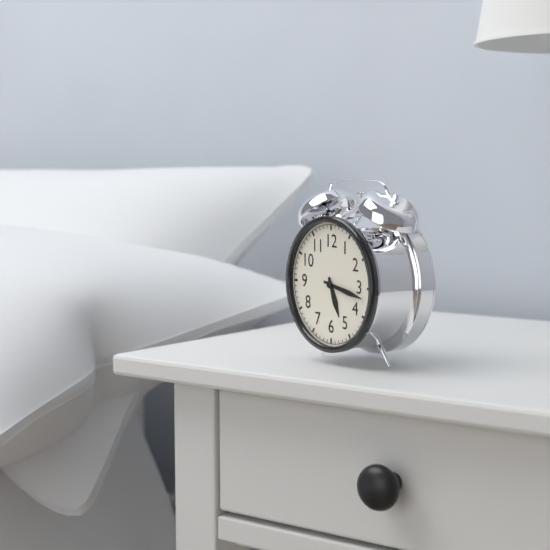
{"hour": 5, "minute": 17}
